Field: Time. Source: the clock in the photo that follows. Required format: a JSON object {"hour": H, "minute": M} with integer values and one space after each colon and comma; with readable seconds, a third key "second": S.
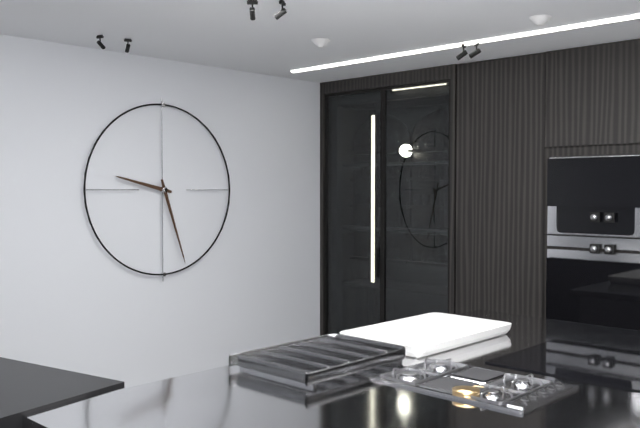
{"hour": 9, "minute": 27}
